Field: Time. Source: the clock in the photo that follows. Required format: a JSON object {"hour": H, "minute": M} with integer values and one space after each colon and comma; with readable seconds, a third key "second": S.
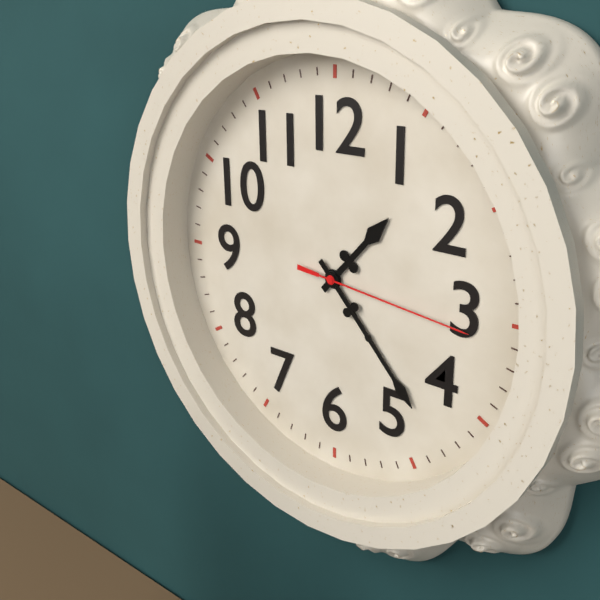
{"hour": 1, "minute": 23, "second": 16}
